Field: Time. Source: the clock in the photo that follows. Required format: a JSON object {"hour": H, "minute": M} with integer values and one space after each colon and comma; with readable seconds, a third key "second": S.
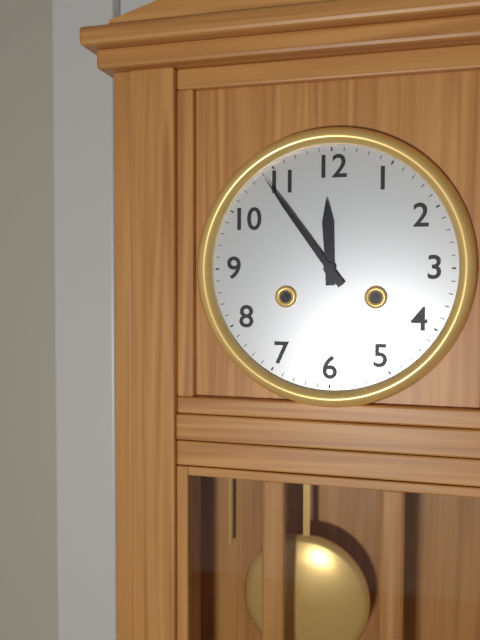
{"hour": 11, "minute": 54}
